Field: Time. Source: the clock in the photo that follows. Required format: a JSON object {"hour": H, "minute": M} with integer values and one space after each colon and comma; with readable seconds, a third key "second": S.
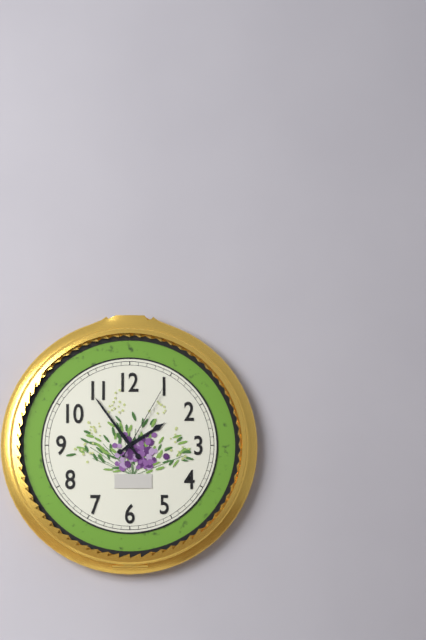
{"hour": 1, "minute": 54, "second": 5}
